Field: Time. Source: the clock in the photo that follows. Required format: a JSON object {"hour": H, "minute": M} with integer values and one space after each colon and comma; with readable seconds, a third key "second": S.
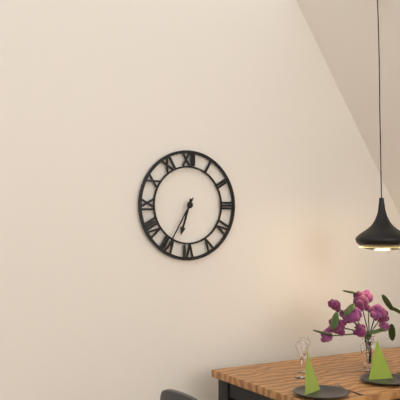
{"hour": 6, "minute": 35}
